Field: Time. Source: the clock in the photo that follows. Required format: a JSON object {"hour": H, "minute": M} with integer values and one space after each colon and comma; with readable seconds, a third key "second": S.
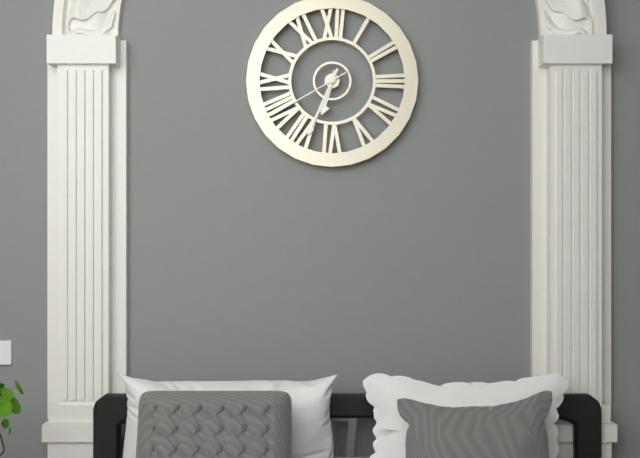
{"hour": 6, "minute": 34, "second": 40}
